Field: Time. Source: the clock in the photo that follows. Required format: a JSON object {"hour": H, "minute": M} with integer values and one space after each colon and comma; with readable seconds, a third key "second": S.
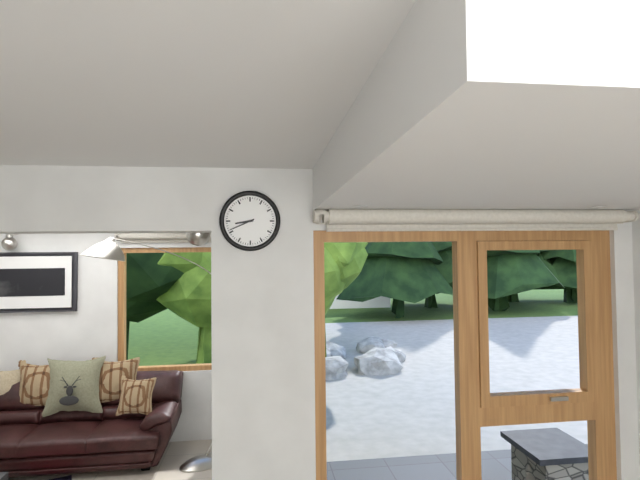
{"hour": 8, "minute": 41}
